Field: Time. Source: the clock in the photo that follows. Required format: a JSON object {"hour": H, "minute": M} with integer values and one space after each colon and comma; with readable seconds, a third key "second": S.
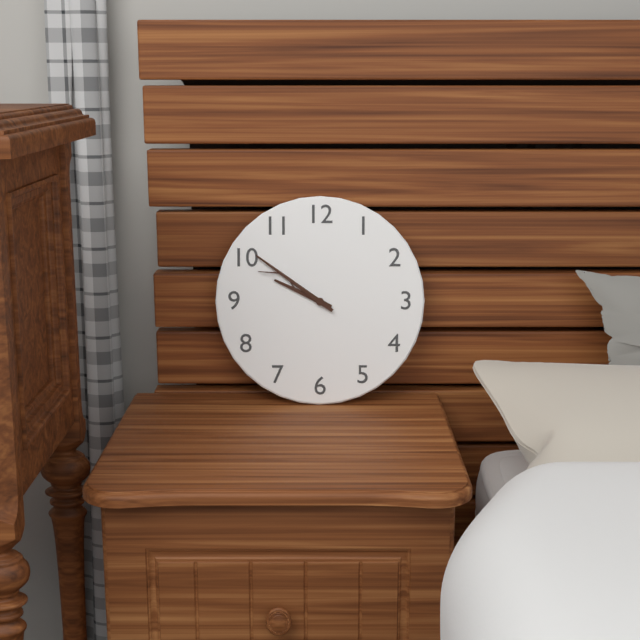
{"hour": 9, "minute": 51}
